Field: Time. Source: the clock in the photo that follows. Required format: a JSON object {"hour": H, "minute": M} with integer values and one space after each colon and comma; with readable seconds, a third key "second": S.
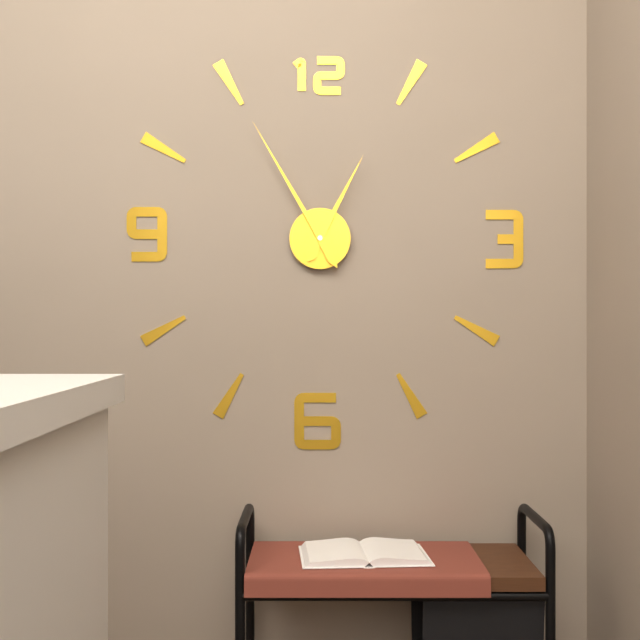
{"hour": 12, "minute": 55}
